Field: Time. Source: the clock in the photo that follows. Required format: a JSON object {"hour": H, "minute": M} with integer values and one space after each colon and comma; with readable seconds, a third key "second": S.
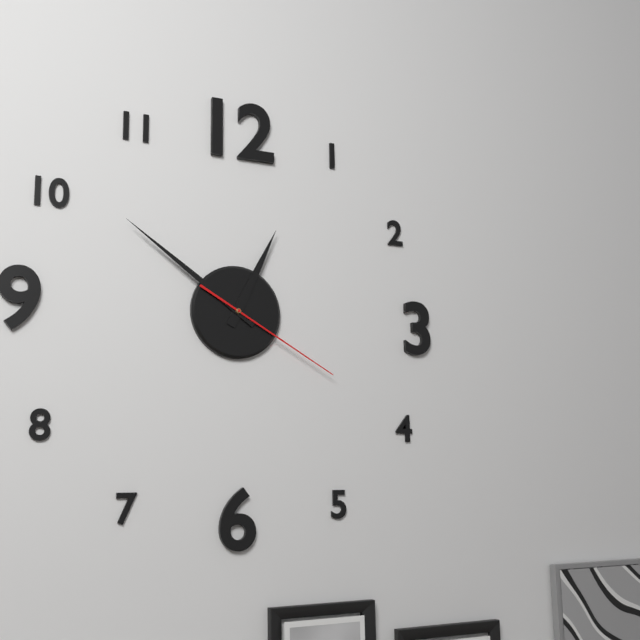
{"hour": 12, "minute": 51, "second": 20}
